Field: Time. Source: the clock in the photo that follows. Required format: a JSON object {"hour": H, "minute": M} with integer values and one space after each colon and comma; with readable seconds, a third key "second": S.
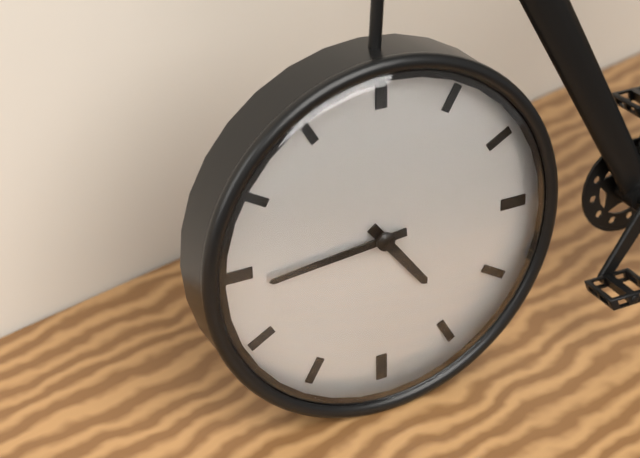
{"hour": 4, "minute": 44}
